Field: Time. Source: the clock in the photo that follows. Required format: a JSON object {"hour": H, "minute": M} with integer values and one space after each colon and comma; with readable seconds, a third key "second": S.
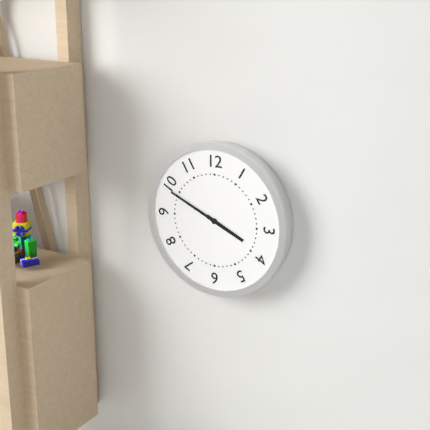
{"hour": 3, "minute": 49}
